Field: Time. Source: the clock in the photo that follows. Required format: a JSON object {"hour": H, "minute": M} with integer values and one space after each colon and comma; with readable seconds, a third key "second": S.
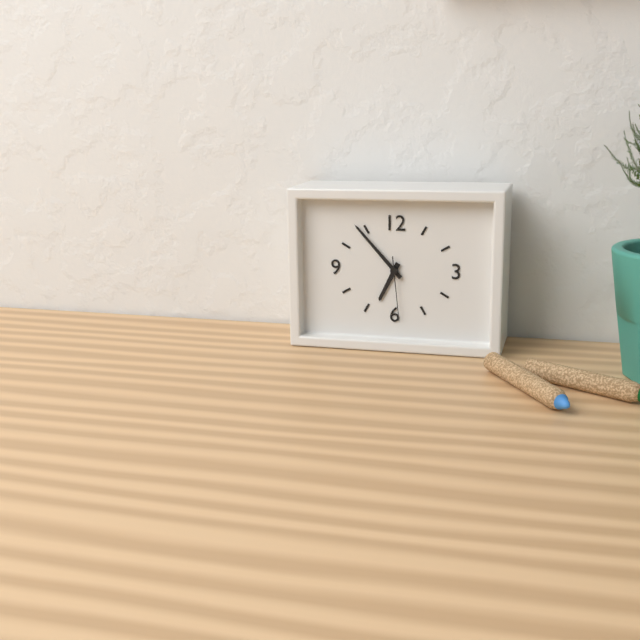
{"hour": 6, "minute": 53, "second": 29}
